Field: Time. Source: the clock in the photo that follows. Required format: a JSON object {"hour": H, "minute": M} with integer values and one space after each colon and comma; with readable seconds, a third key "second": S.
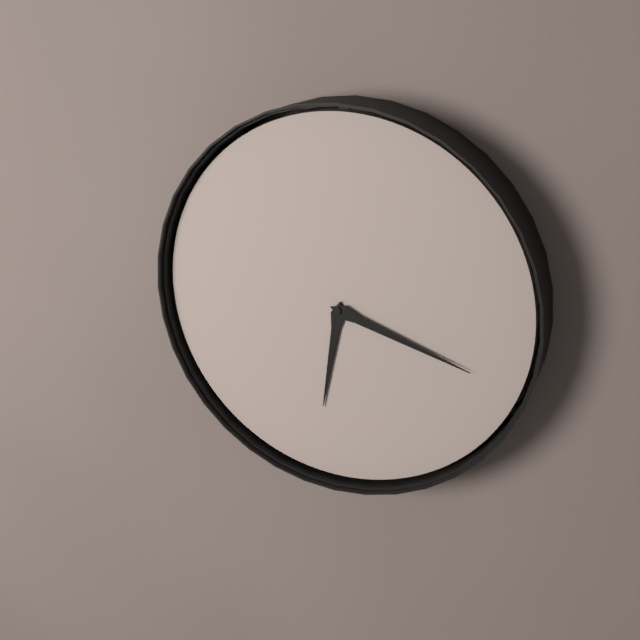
{"hour": 6, "minute": 18}
